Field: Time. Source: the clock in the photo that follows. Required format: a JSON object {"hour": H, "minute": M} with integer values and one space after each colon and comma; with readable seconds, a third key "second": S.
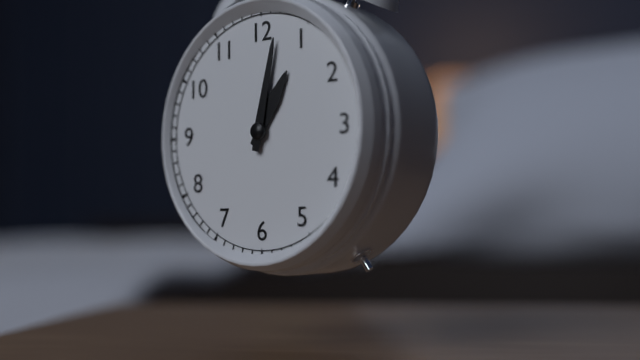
{"hour": 1, "minute": 2}
